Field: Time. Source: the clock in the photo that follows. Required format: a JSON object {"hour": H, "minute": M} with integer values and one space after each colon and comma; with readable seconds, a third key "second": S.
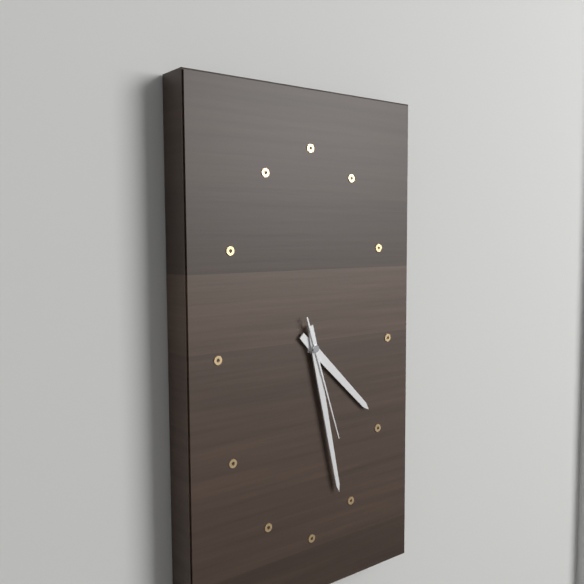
{"hour": 4, "minute": 28, "second": 27}
